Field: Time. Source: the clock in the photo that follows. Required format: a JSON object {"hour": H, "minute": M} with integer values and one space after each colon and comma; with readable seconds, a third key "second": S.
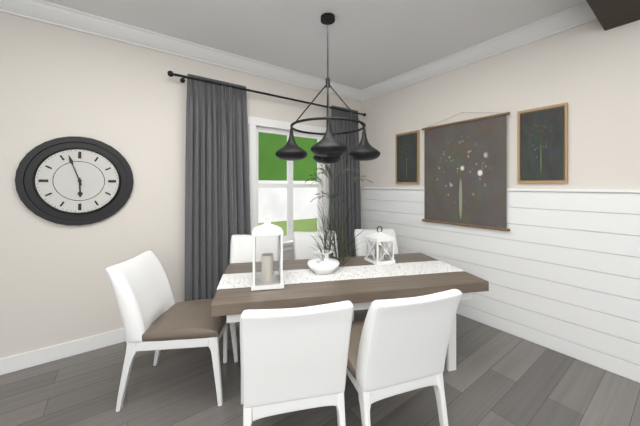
{"hour": 5, "minute": 57}
